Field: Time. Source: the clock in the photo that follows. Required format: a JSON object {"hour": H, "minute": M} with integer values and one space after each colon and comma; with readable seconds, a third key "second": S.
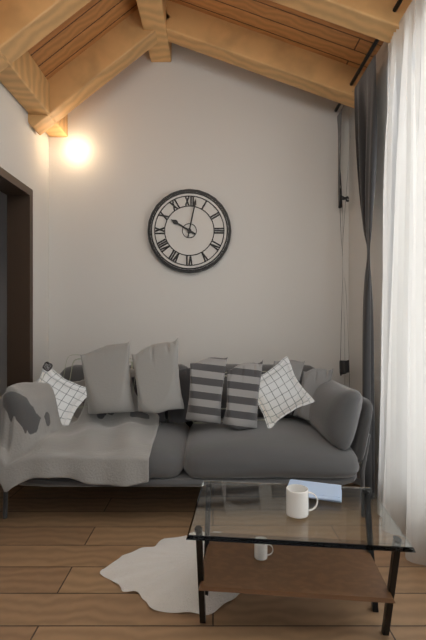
{"hour": 10, "minute": 2}
